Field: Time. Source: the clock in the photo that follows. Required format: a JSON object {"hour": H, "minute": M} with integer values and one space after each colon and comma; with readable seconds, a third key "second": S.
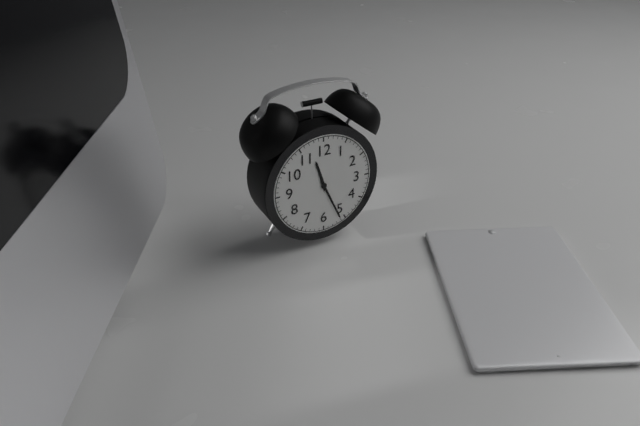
{"hour": 11, "minute": 26}
